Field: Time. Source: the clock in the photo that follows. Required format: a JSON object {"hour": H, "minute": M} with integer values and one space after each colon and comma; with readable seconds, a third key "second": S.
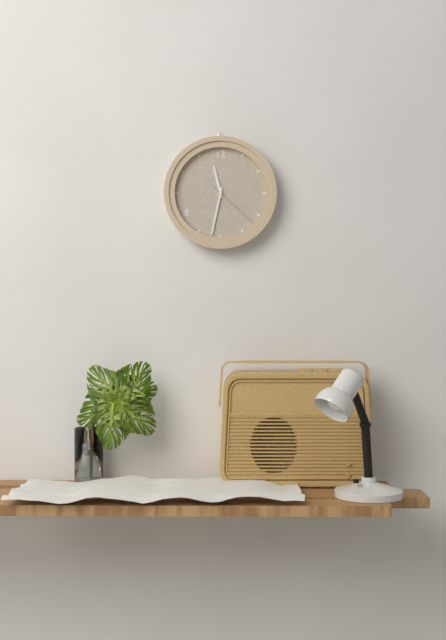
{"hour": 11, "minute": 32, "second": 22}
